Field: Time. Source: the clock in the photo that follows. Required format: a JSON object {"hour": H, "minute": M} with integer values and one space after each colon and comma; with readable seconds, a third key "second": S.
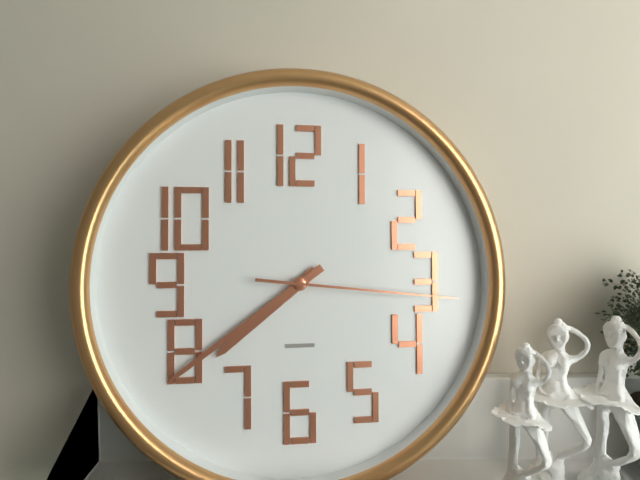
{"hour": 7, "minute": 39, "second": 16}
